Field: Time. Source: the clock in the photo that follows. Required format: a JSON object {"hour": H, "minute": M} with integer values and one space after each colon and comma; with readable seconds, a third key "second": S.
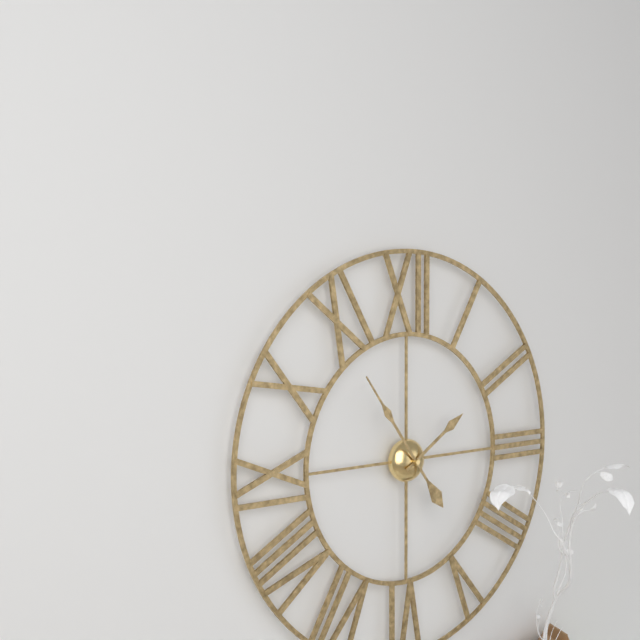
{"hour": 1, "minute": 54}
